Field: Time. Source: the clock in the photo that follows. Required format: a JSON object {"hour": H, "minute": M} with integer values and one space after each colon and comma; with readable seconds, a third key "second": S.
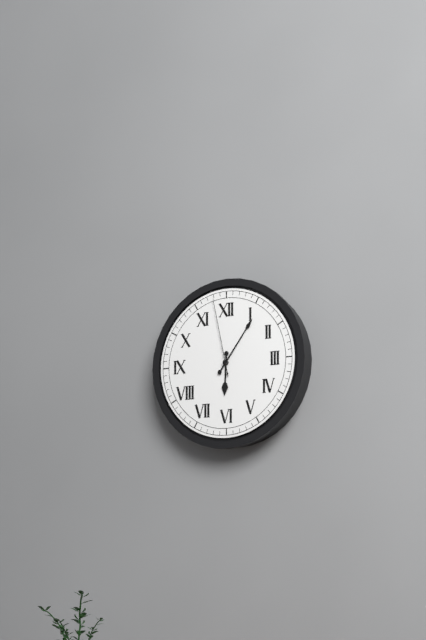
{"hour": 6, "minute": 6, "second": 58}
